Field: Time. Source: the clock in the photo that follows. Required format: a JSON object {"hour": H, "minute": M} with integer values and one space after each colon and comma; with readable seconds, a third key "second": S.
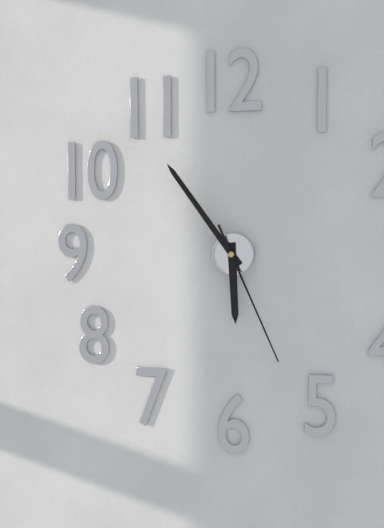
{"hour": 5, "minute": 54, "second": 26}
